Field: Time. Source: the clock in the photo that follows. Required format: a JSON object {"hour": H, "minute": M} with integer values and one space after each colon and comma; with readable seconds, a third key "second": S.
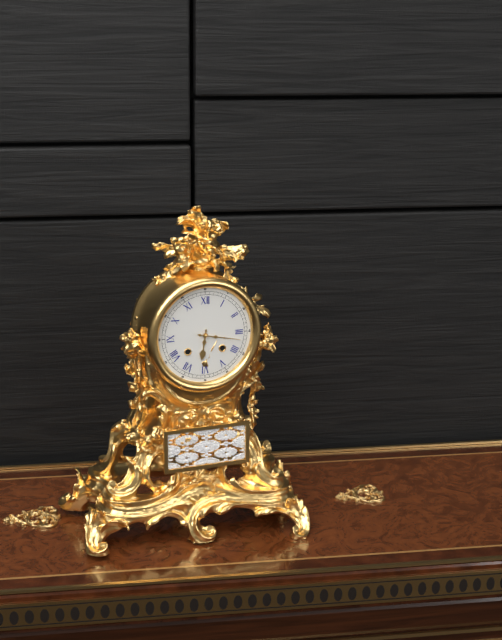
{"hour": 6, "minute": 17}
